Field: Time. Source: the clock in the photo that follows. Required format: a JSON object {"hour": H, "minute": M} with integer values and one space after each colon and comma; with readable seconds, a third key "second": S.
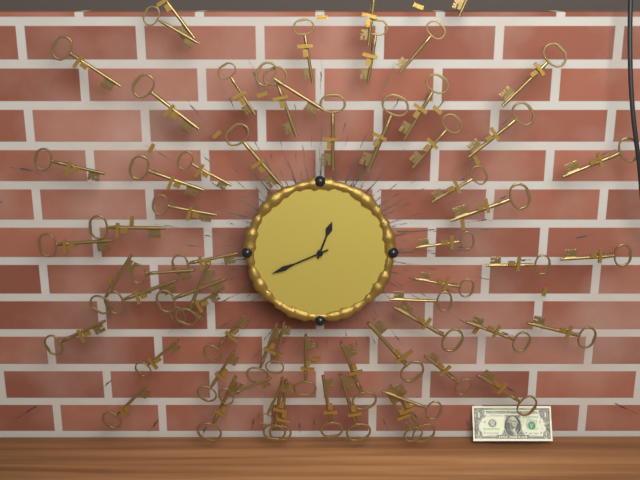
{"hour": 12, "minute": 41}
